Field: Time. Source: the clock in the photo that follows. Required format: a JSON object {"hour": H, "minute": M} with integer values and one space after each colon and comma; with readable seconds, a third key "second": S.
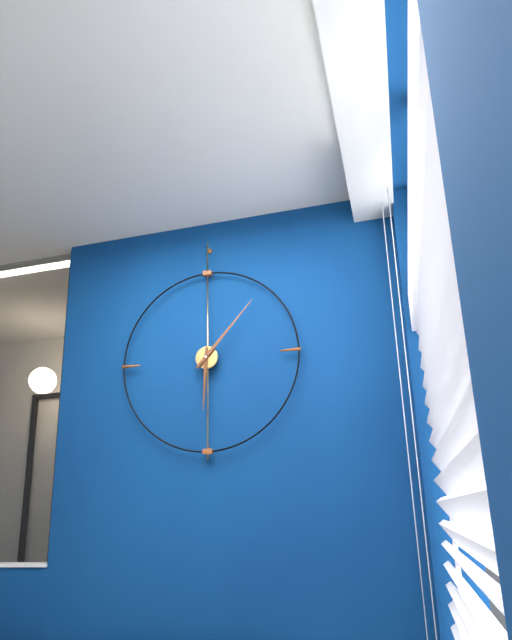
{"hour": 6, "minute": 7}
